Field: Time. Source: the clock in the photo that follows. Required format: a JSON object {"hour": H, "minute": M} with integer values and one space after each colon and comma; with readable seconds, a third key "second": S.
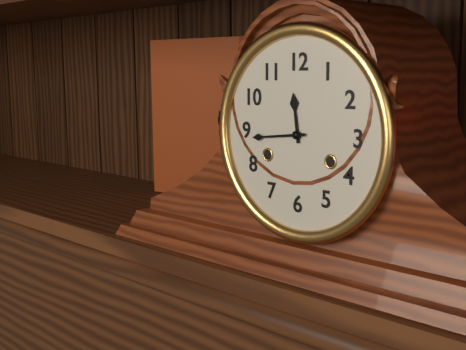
{"hour": 11, "minute": 44}
